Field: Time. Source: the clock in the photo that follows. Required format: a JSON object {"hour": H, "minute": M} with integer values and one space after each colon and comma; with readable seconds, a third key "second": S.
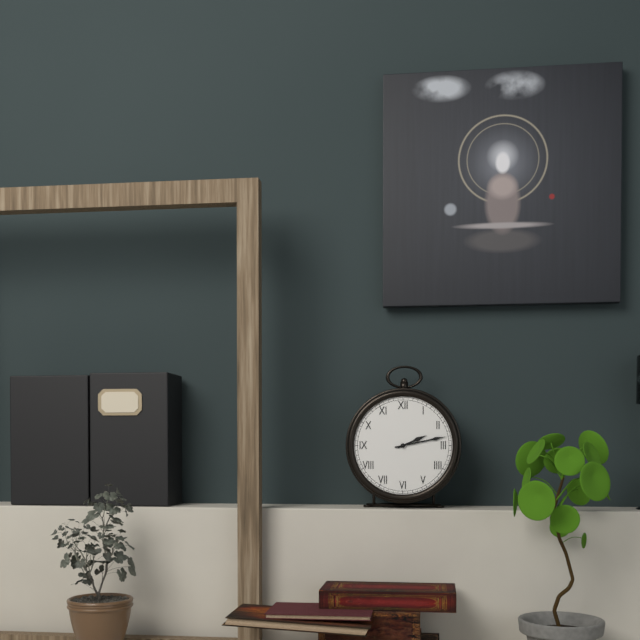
{"hour": 2, "minute": 13}
